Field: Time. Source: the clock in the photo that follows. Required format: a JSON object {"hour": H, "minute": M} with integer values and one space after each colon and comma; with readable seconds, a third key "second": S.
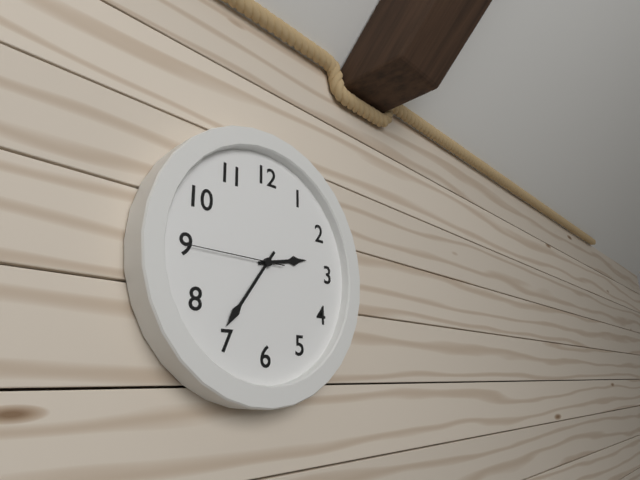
{"hour": 2, "minute": 36, "second": 45}
